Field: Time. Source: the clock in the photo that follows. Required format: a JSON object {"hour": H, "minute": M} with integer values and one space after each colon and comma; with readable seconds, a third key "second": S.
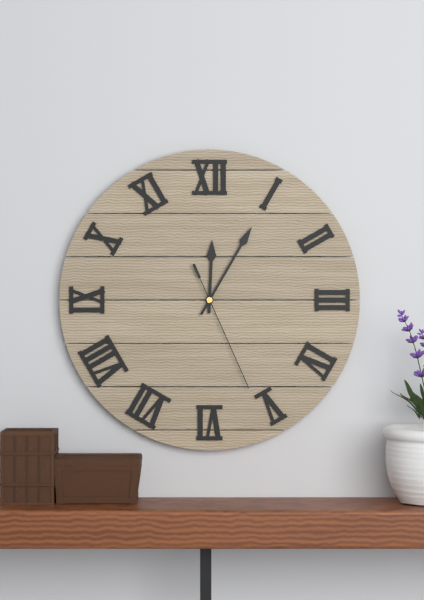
{"hour": 12, "minute": 5, "second": 26}
